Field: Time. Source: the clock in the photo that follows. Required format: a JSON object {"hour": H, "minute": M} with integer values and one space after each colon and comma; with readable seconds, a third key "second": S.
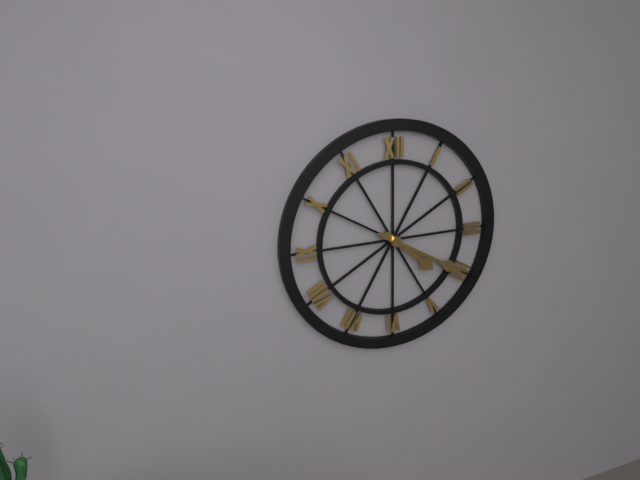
{"hour": 4, "minute": 20}
